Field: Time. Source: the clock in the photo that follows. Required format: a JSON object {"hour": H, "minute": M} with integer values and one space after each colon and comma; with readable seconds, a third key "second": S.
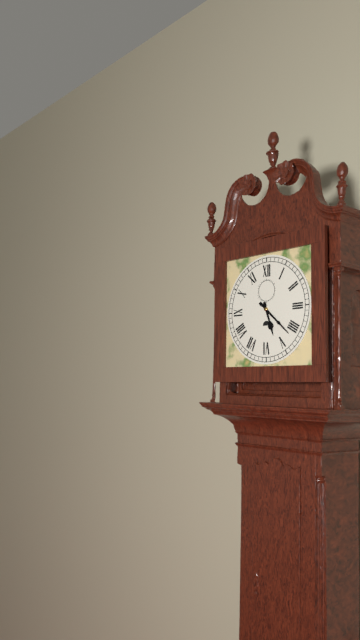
{"hour": 5, "minute": 22}
